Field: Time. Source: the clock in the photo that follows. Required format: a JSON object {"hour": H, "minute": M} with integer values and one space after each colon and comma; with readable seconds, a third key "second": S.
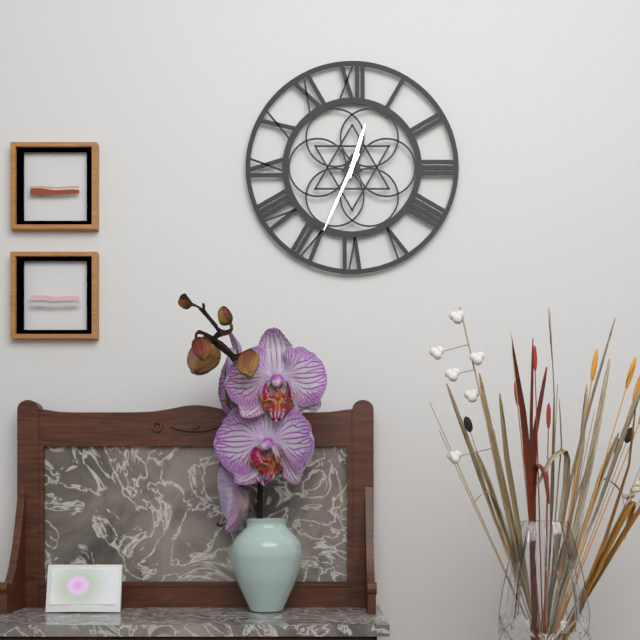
{"hour": 12, "minute": 34}
